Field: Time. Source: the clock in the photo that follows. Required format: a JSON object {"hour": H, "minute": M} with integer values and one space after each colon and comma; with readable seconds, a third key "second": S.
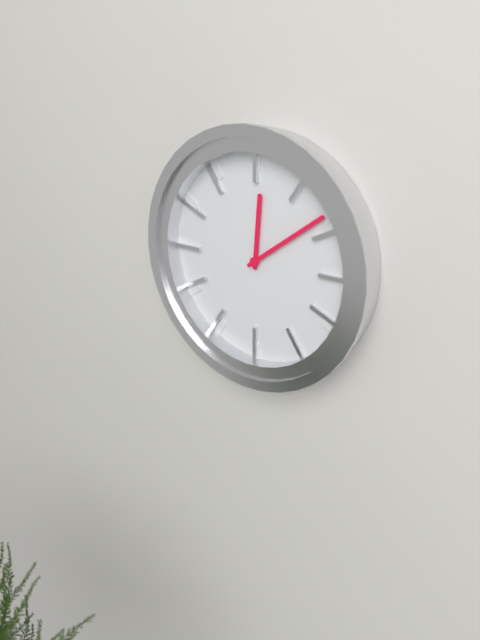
{"hour": 12, "minute": 9}
